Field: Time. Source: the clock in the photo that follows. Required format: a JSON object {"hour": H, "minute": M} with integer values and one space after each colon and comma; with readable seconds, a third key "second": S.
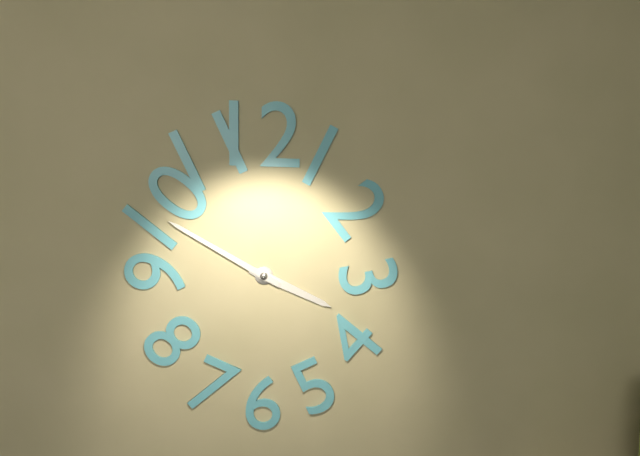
{"hour": 3, "minute": 50}
